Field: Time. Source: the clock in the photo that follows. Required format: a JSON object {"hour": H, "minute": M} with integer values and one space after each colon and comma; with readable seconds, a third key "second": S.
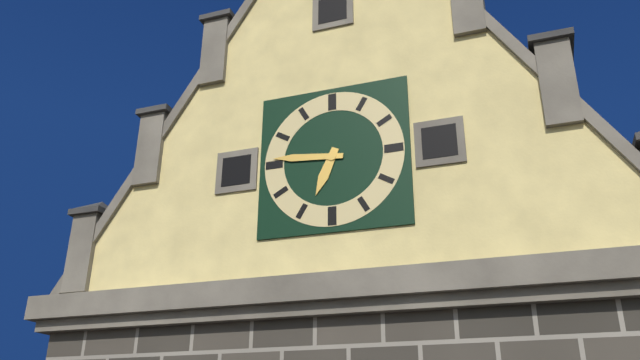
{"hour": 6, "minute": 46}
